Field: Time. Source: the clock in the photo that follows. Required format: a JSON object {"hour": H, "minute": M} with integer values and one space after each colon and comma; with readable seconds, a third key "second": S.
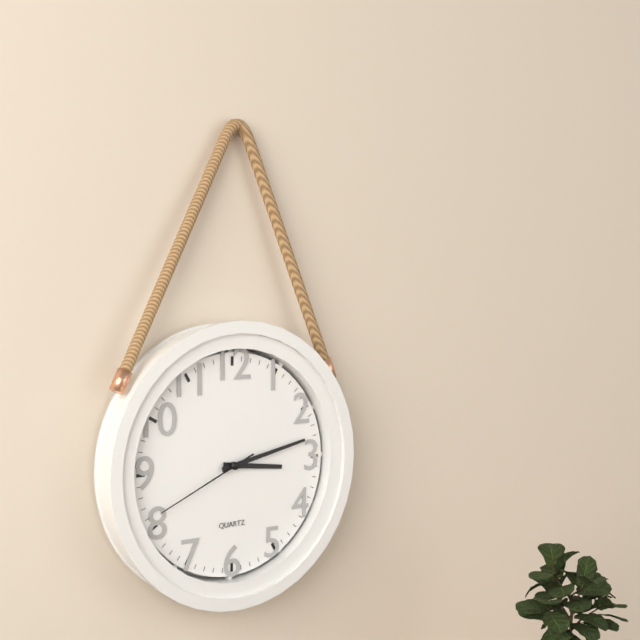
{"hour": 3, "minute": 13, "second": 41}
